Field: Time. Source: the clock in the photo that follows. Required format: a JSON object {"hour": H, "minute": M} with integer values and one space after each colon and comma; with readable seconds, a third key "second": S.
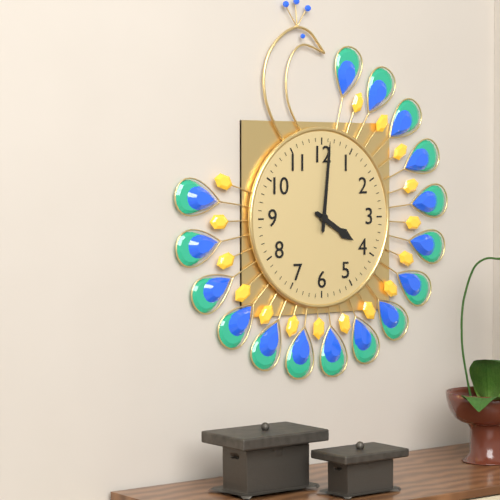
{"hour": 4, "minute": 1}
